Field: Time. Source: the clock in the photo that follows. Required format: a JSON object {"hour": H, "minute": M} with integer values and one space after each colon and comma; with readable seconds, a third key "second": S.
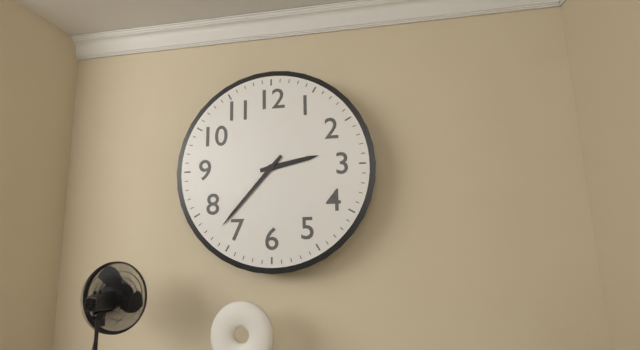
{"hour": 2, "minute": 37}
